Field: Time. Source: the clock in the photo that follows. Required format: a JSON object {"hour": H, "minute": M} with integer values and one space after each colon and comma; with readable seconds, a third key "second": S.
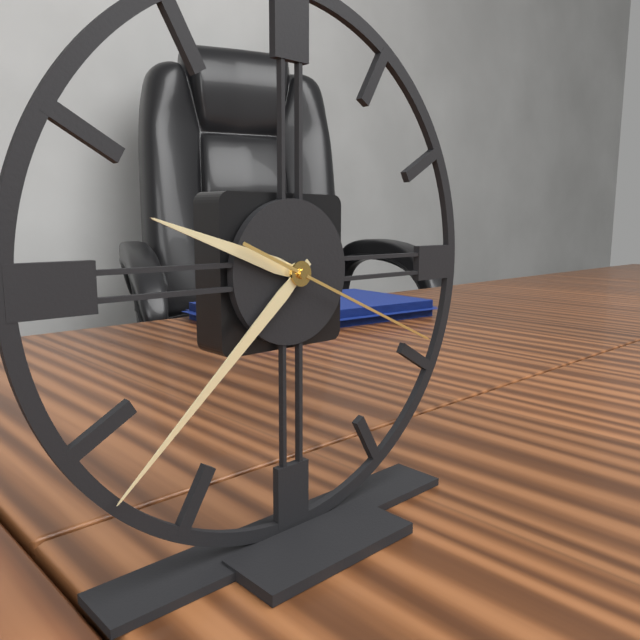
{"hour": 9, "minute": 38, "second": 19}
